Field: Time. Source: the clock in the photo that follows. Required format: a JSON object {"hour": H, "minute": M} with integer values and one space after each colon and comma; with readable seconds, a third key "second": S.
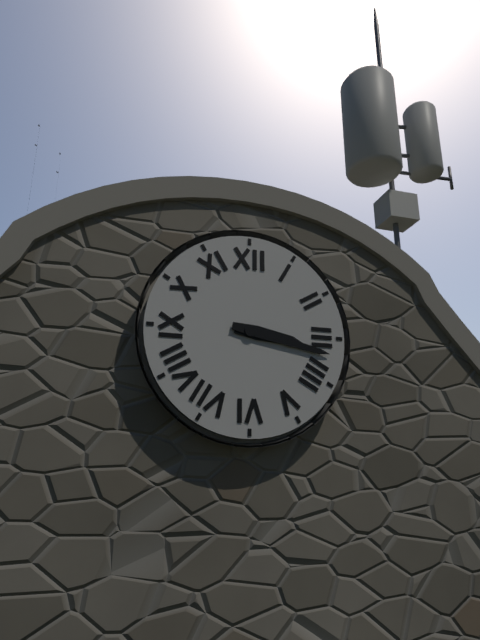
{"hour": 3, "minute": 17}
